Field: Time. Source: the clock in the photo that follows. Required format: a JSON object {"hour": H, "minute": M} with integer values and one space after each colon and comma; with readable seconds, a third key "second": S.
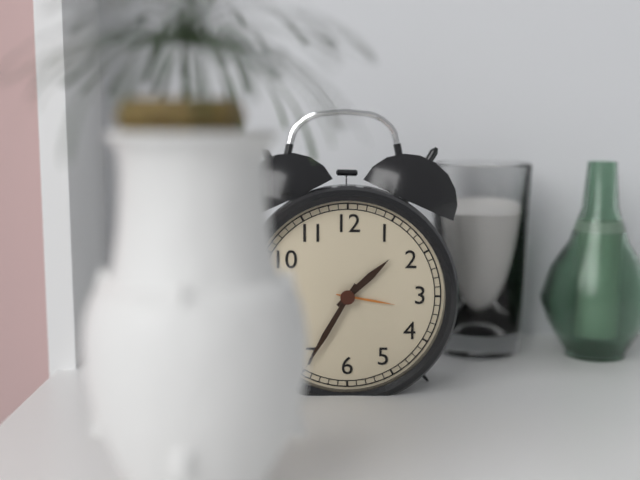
{"hour": 1, "minute": 35}
